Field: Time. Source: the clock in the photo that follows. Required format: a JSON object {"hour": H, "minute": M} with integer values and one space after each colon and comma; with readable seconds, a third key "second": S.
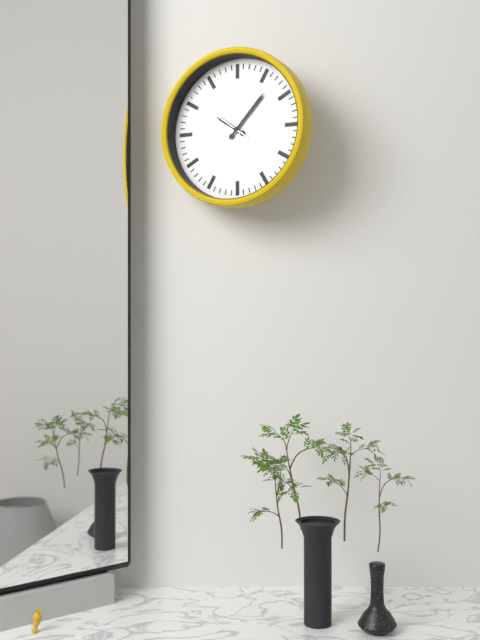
{"hour": 10, "minute": 7, "second": 51}
